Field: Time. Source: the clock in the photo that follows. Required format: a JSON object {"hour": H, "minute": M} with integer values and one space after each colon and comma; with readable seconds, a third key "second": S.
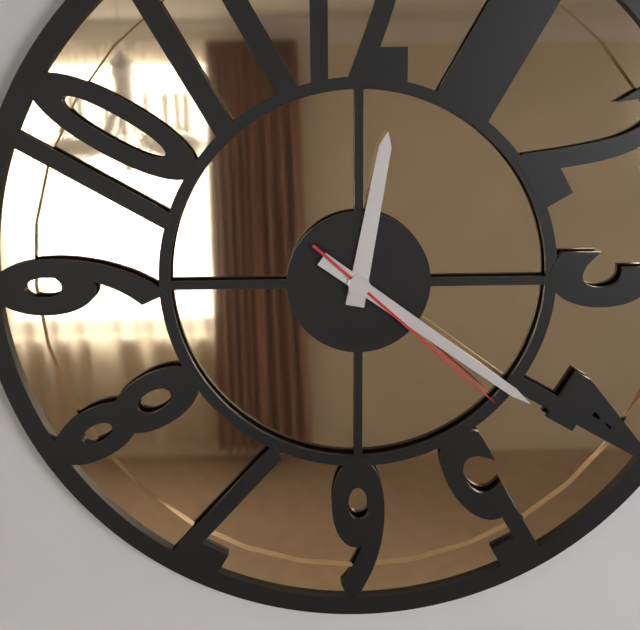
{"hour": 12, "minute": 21, "second": 22}
